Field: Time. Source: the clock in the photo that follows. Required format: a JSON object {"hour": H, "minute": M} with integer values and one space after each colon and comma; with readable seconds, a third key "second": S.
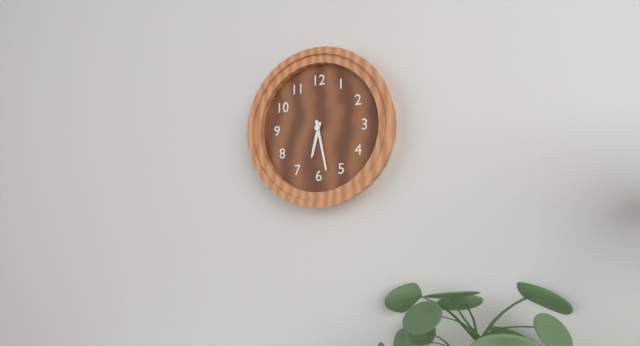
{"hour": 6, "minute": 28}
